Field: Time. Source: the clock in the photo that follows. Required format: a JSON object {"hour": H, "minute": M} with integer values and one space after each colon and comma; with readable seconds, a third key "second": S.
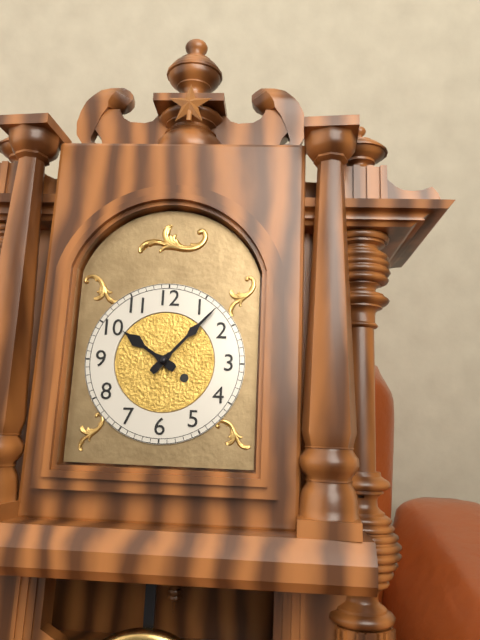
{"hour": 10, "minute": 7}
